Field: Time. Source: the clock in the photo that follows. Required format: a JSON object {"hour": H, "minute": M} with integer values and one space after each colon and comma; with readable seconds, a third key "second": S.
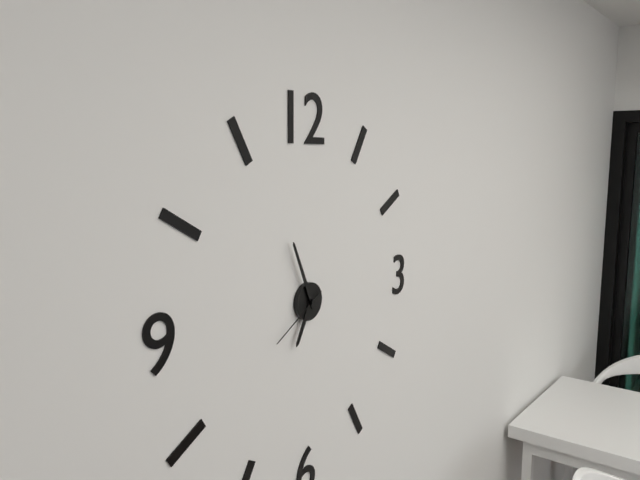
{"hour": 6, "minute": 56, "second": 40}
